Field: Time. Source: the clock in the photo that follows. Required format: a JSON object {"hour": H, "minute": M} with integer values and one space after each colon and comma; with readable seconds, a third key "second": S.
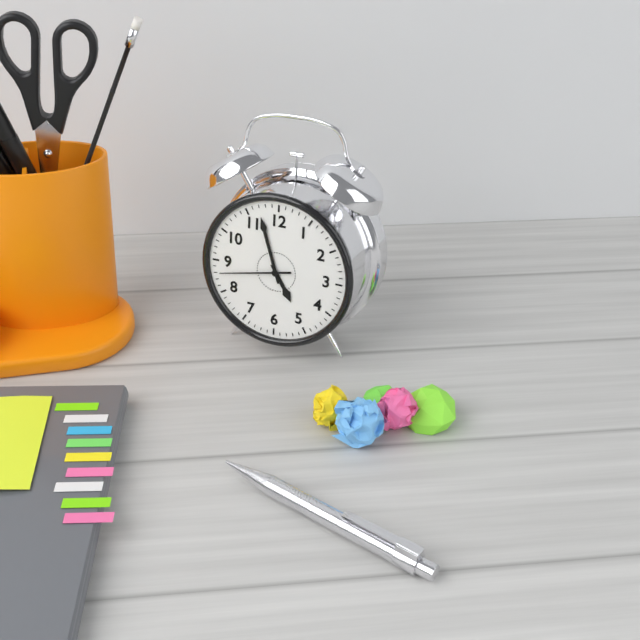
{"hour": 4, "minute": 57, "second": 43}
